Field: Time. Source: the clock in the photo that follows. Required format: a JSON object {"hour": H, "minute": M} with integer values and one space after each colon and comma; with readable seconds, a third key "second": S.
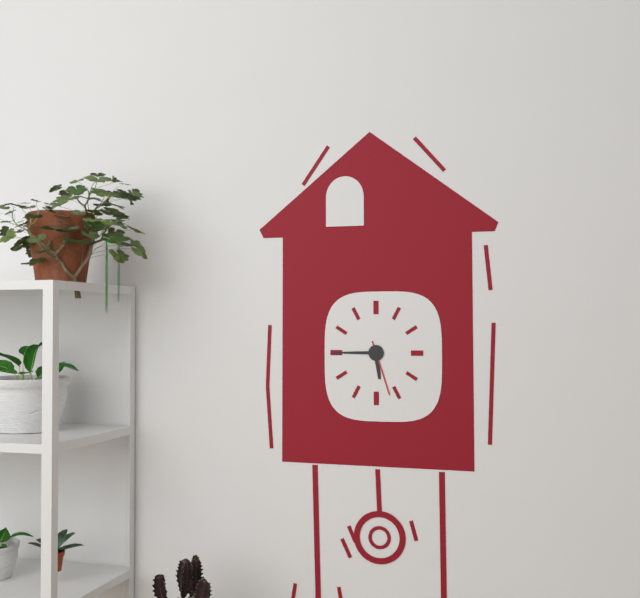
{"hour": 5, "minute": 45, "second": 27}
